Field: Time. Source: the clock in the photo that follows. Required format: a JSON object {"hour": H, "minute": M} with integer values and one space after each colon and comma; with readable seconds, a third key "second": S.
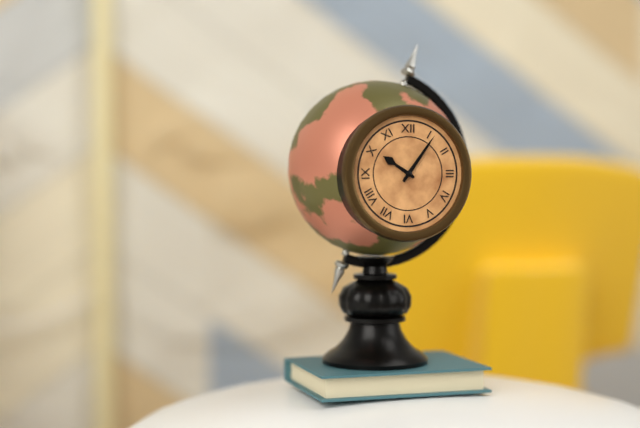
{"hour": 10, "minute": 6}
